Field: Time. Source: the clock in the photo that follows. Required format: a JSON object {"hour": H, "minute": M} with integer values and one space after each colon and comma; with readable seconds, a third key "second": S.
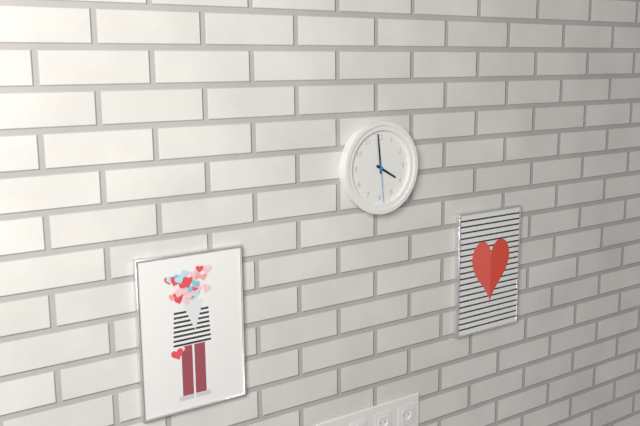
{"hour": 3, "minute": 59}
